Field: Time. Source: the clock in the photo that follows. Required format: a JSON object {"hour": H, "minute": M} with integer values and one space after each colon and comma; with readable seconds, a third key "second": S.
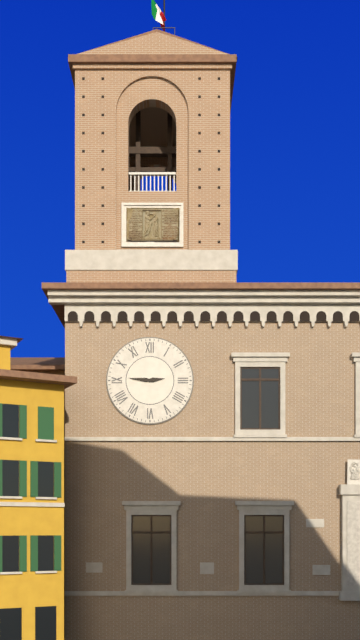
{"hour": 2, "minute": 46}
